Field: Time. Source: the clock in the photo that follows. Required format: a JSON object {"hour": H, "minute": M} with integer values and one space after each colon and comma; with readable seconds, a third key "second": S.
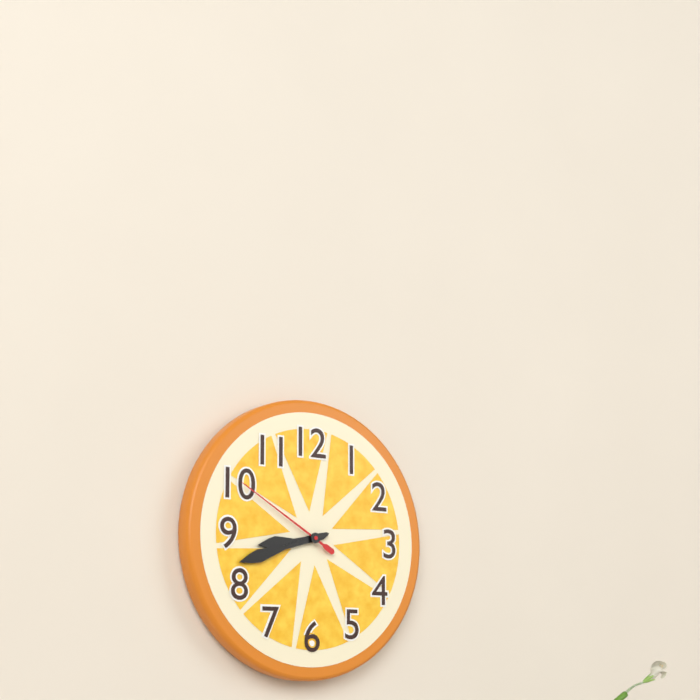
{"hour": 8, "minute": 42, "second": 50}
